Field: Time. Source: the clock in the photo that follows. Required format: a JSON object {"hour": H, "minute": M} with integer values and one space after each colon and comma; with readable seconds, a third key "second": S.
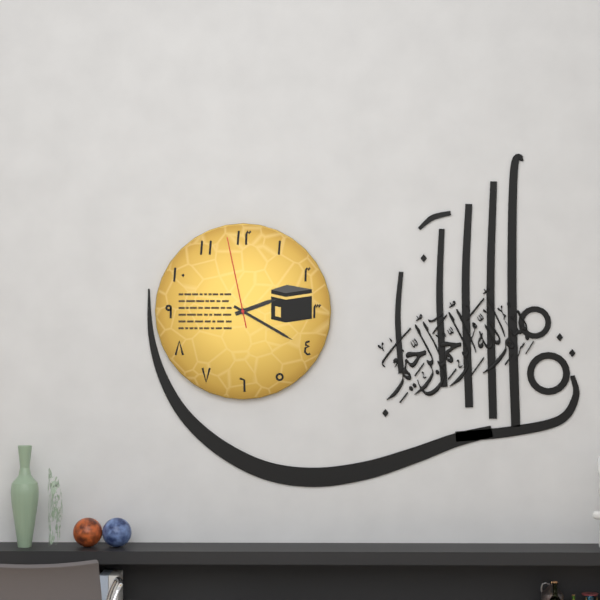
{"hour": 2, "minute": 20, "second": 58}
